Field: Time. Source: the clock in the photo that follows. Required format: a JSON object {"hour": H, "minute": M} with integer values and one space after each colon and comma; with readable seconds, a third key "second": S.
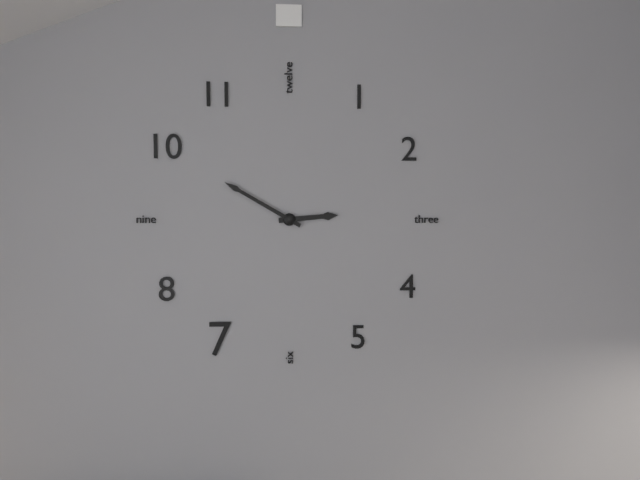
{"hour": 2, "minute": 50}
